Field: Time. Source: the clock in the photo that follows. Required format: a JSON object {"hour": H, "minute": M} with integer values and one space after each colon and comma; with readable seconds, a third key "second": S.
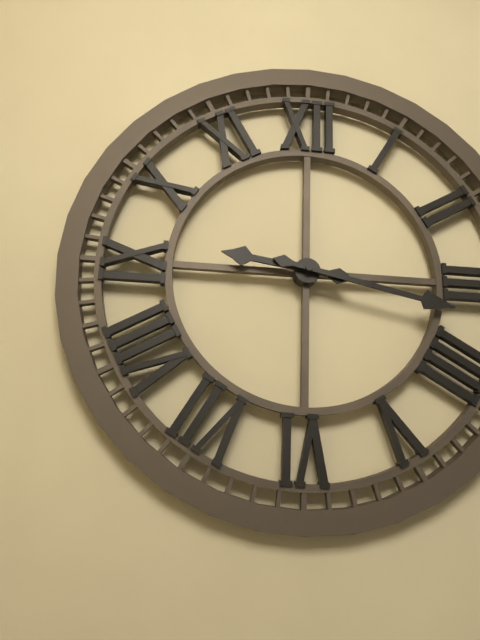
{"hour": 9, "minute": 17}
